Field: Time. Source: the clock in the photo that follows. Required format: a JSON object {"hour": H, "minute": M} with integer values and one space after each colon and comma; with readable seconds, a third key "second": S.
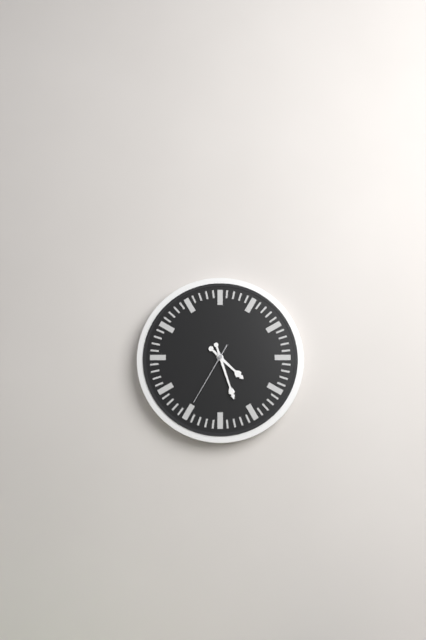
{"hour": 4, "minute": 27, "second": 35}
